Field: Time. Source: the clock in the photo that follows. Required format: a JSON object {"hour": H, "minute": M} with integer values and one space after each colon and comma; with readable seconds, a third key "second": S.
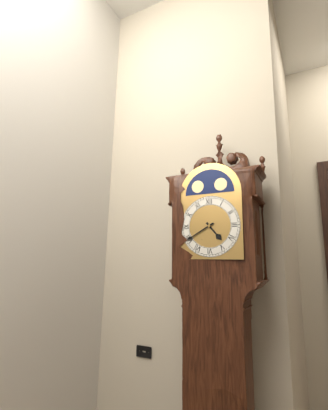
{"hour": 4, "minute": 40}
